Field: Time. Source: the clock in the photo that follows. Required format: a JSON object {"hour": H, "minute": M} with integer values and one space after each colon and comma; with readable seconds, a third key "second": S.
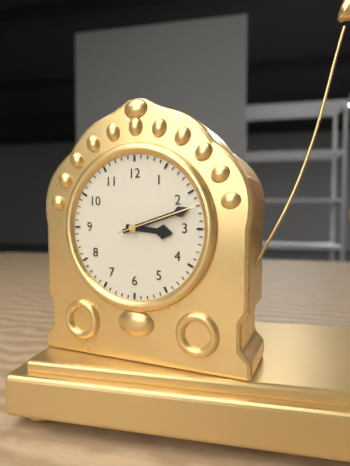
{"hour": 3, "minute": 12, "second": 12}
